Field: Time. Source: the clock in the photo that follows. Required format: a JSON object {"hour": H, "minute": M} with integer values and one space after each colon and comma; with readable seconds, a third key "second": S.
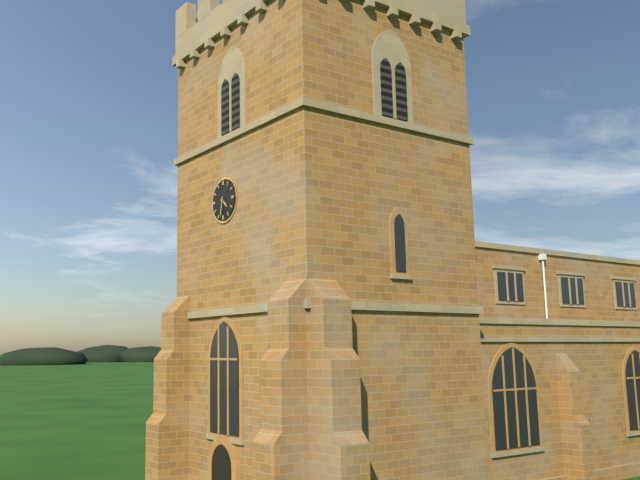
{"hour": 4, "minute": 32}
